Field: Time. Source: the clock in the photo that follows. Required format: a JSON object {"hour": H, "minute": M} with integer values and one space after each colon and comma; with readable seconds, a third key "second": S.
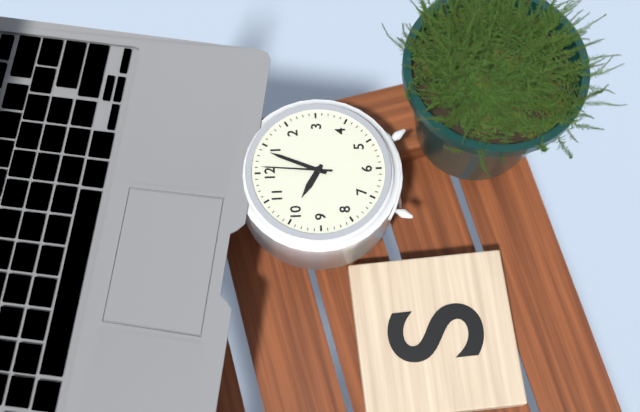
{"hour": 10, "minute": 4, "second": 1}
